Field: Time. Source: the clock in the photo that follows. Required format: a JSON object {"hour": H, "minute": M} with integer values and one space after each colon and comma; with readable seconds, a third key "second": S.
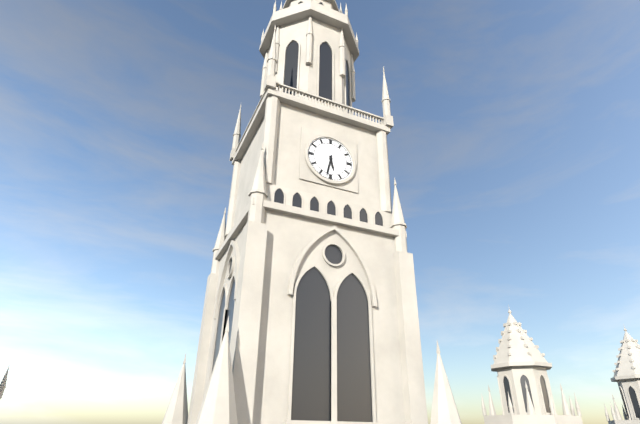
{"hour": 5, "minute": 32}
